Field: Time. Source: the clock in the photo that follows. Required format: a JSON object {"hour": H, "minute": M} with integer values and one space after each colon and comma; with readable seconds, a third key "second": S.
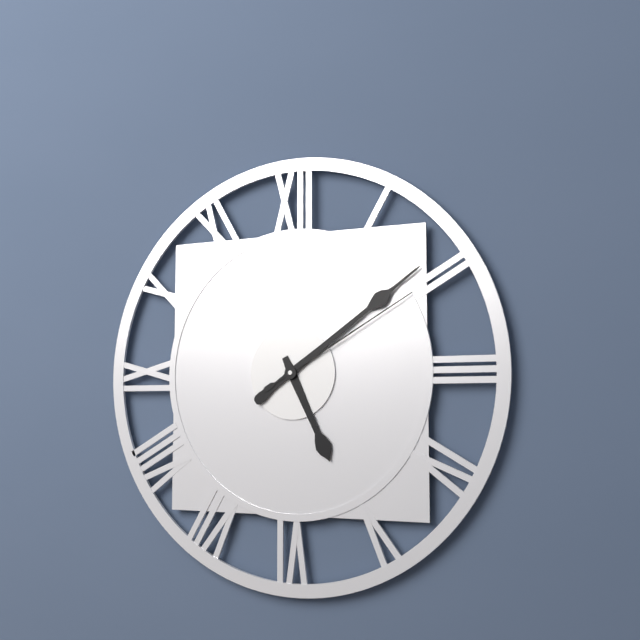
{"hour": 5, "minute": 9, "second": 10}
